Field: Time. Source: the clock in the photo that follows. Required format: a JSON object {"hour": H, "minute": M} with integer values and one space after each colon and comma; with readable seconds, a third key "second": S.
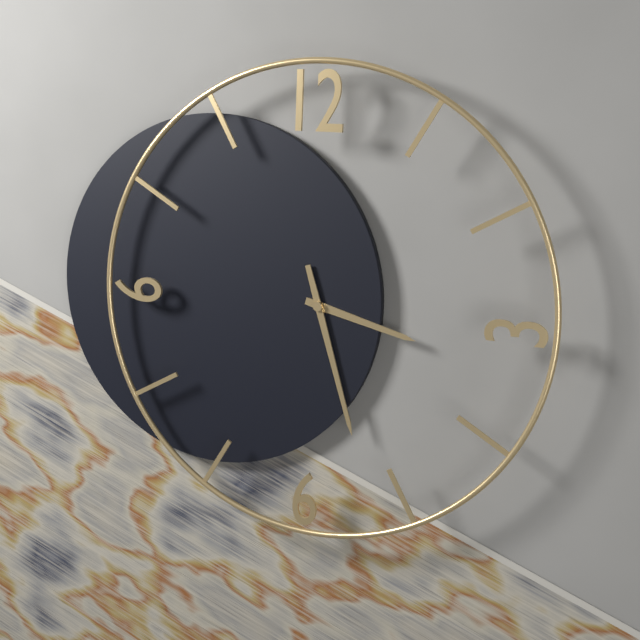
{"hour": 3, "minute": 27}
